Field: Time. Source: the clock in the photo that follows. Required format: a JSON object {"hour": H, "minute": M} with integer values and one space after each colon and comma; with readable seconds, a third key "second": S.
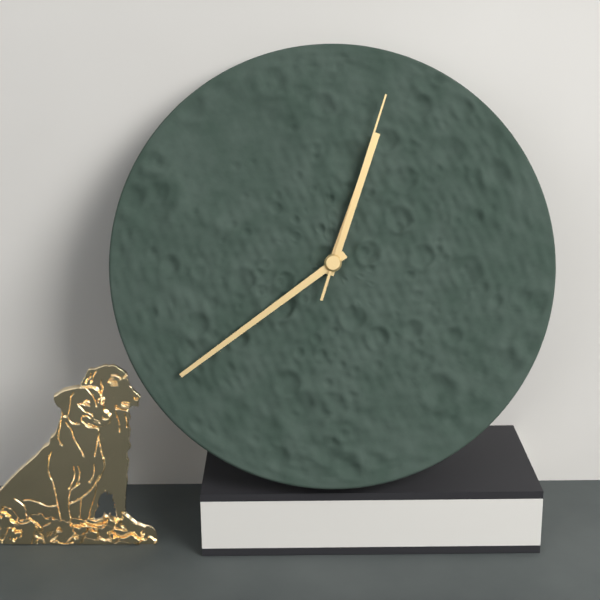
{"hour": 12, "minute": 39, "second": 3}
